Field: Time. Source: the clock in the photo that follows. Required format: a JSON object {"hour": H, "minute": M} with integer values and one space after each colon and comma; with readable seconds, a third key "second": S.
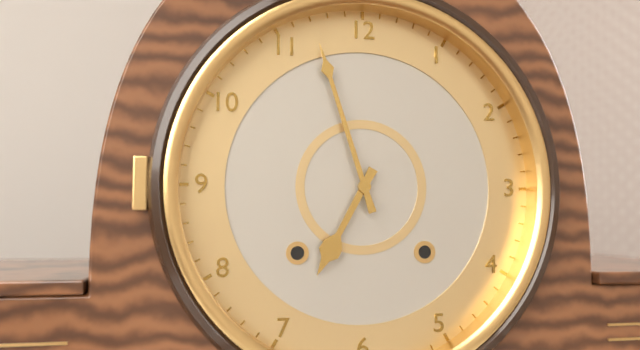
{"hour": 6, "minute": 57}
